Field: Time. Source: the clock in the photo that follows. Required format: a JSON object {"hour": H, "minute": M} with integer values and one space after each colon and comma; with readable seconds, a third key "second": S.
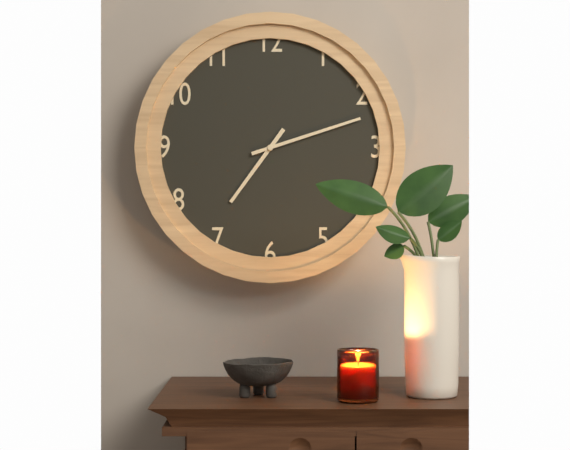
{"hour": 7, "minute": 12}
